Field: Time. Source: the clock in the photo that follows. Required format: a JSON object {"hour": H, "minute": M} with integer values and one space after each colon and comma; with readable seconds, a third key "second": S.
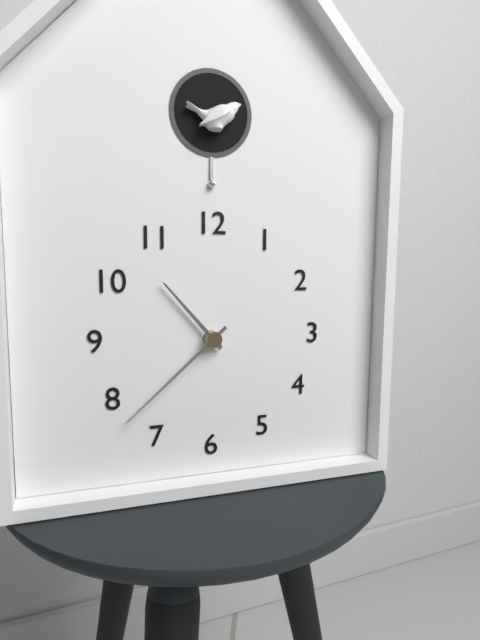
{"hour": 10, "minute": 38}
